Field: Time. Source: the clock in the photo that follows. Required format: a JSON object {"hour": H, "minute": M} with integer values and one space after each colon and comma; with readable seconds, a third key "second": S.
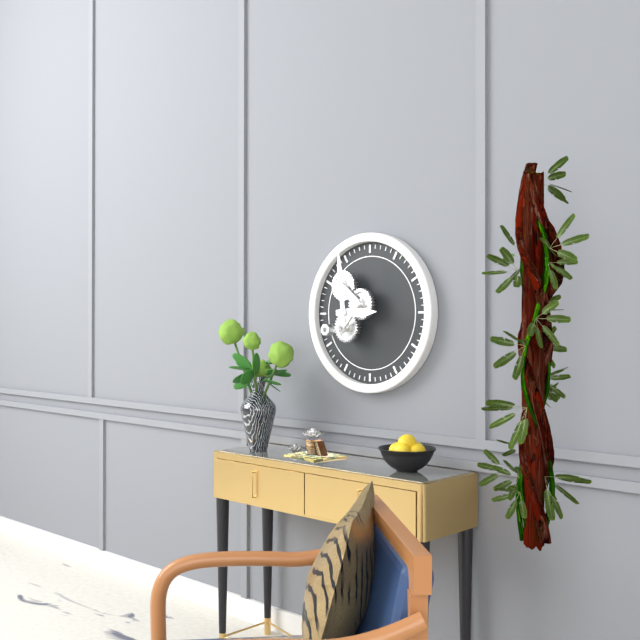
{"hour": 2, "minute": 59}
